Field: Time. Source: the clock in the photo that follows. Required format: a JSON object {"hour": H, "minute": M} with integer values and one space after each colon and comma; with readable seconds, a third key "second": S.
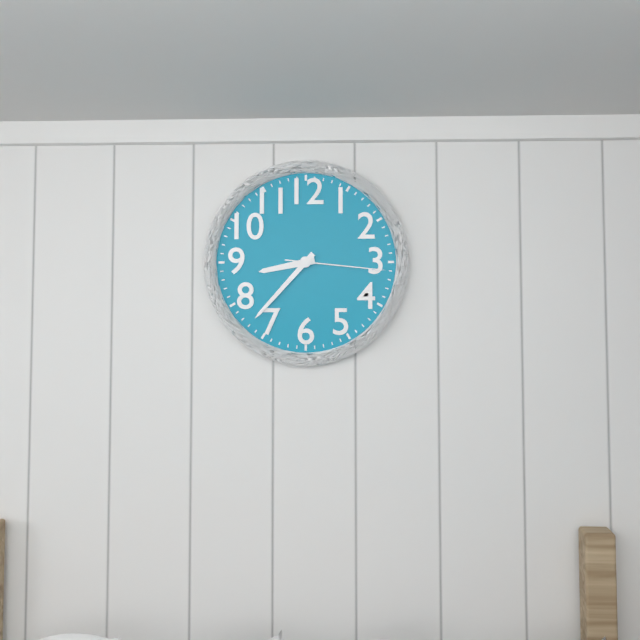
{"hour": 8, "minute": 37, "second": 16}
